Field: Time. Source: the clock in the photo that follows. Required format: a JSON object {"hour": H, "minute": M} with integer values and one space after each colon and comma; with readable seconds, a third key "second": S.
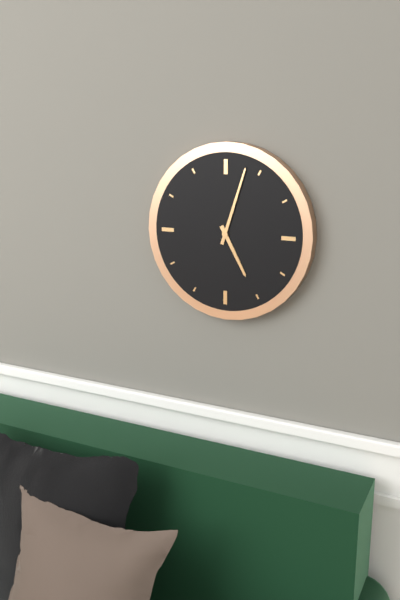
{"hour": 5, "minute": 3}
